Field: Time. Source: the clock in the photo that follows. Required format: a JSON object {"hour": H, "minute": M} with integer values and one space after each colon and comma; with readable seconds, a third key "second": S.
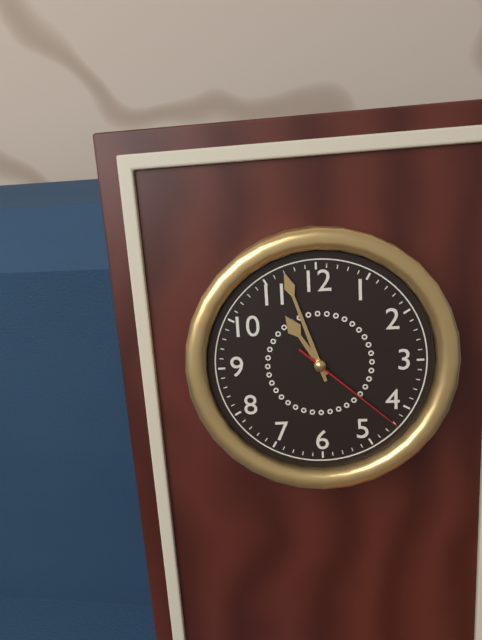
{"hour": 10, "minute": 57, "second": 22}
